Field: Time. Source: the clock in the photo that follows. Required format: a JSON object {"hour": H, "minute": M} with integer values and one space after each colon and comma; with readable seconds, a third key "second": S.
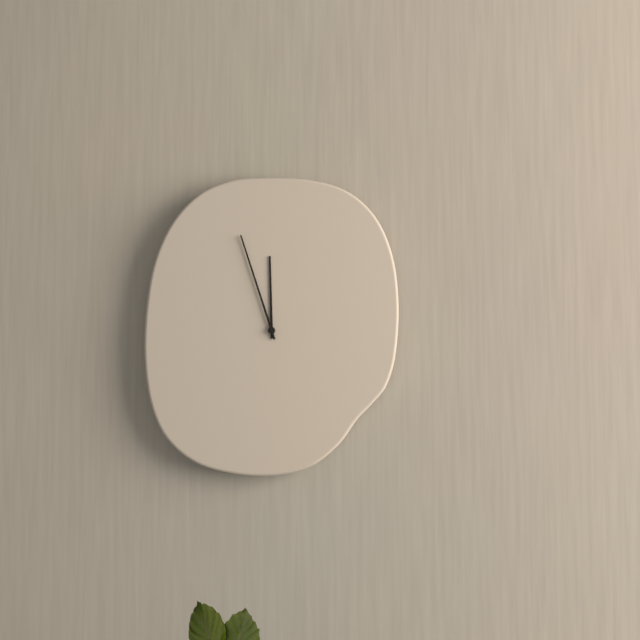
{"hour": 11, "minute": 57}
